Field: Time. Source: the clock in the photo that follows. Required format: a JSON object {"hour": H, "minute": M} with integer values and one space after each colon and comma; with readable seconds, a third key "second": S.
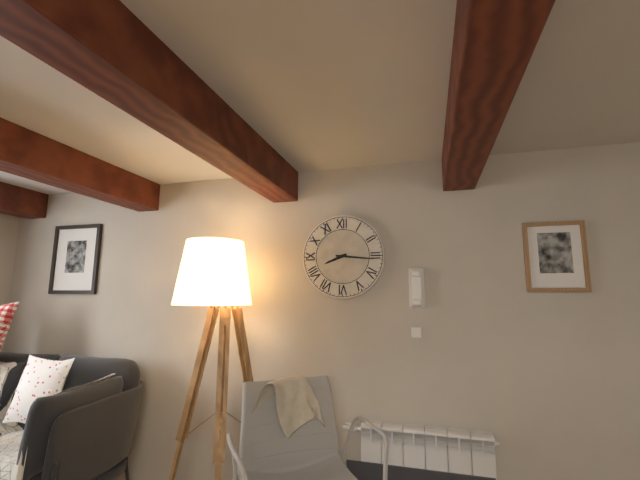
{"hour": 8, "minute": 16}
